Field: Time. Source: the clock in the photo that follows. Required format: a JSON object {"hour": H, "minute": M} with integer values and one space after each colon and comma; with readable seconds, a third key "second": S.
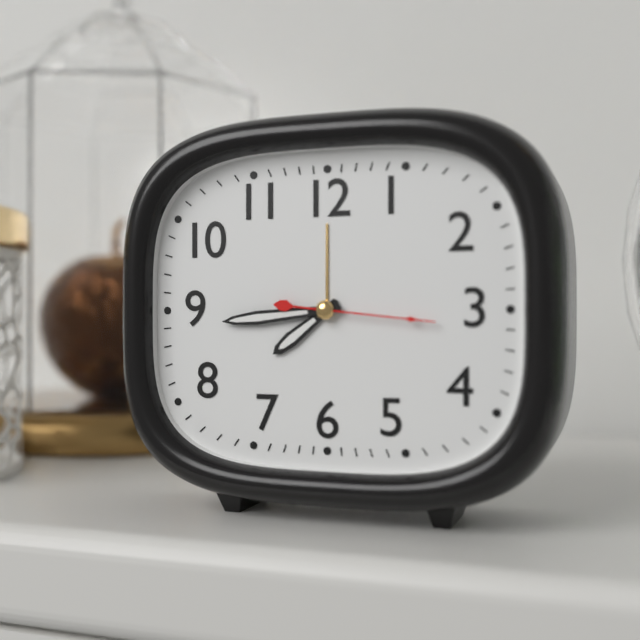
{"hour": 7, "minute": 44, "second": 16}
